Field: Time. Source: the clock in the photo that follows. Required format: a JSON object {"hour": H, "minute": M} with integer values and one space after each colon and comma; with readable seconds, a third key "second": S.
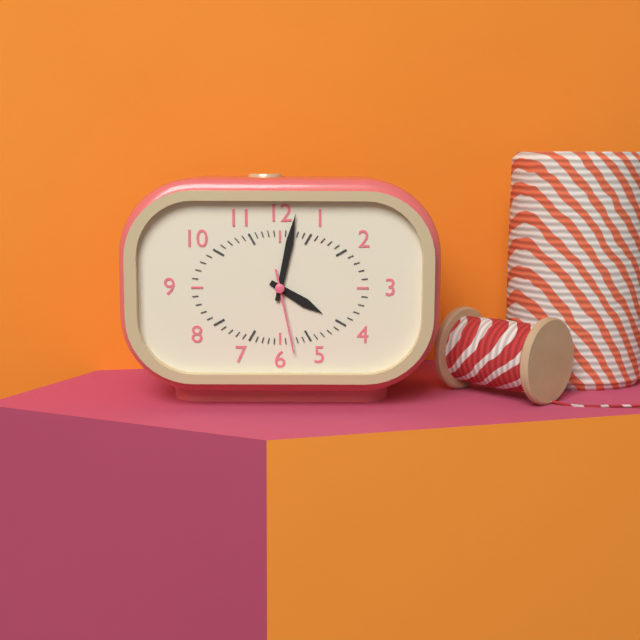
{"hour": 4, "minute": 2, "second": 28}
